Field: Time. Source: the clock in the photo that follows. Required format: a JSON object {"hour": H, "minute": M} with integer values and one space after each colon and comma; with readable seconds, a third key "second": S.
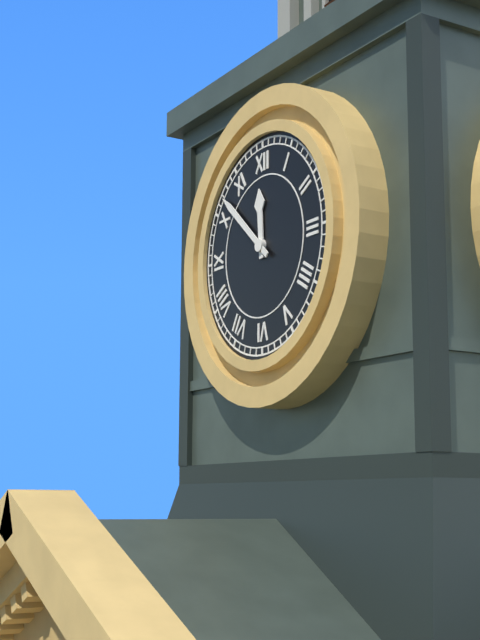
{"hour": 11, "minute": 52}
